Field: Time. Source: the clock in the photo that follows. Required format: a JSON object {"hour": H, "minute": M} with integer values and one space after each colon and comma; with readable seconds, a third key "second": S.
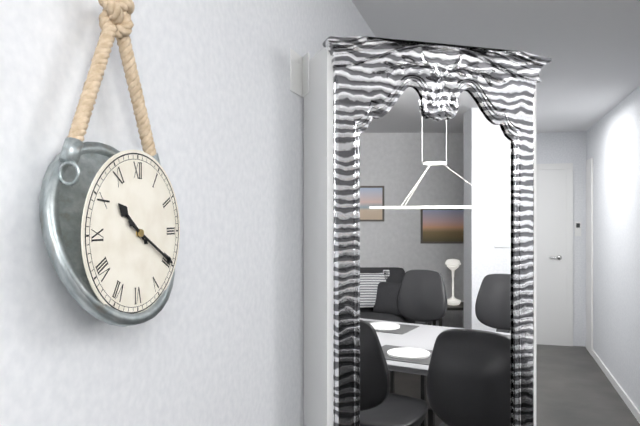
{"hour": 10, "minute": 20}
